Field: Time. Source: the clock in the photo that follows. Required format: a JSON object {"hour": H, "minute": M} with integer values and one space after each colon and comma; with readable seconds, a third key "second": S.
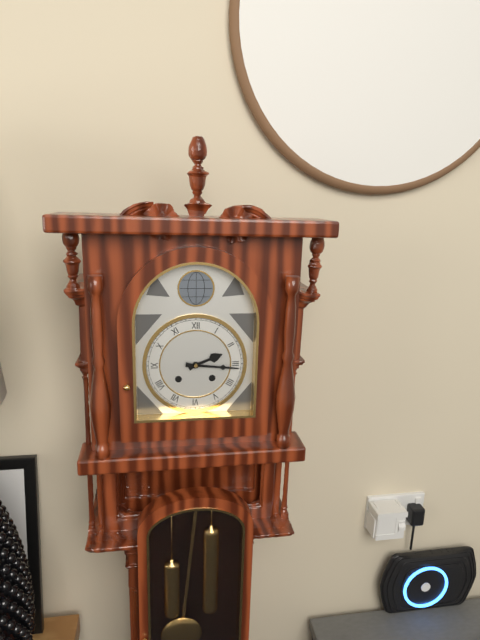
{"hour": 2, "minute": 16}
